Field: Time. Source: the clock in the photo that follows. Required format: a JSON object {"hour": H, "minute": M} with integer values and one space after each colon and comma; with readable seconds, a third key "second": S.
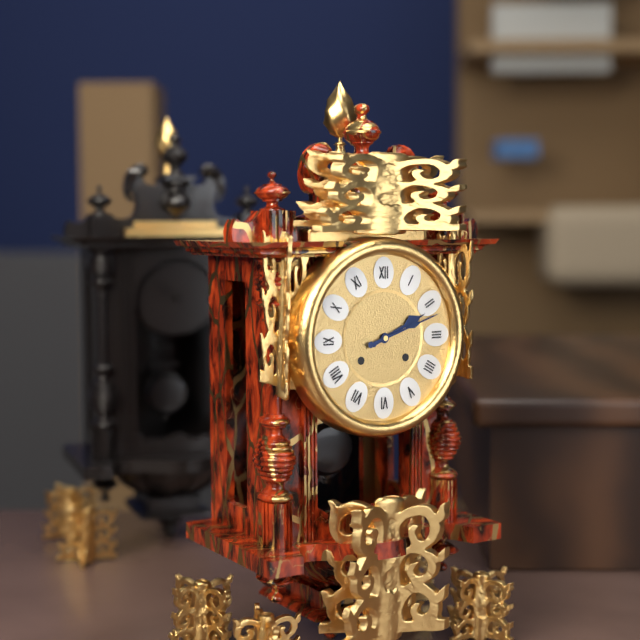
{"hour": 2, "minute": 12}
